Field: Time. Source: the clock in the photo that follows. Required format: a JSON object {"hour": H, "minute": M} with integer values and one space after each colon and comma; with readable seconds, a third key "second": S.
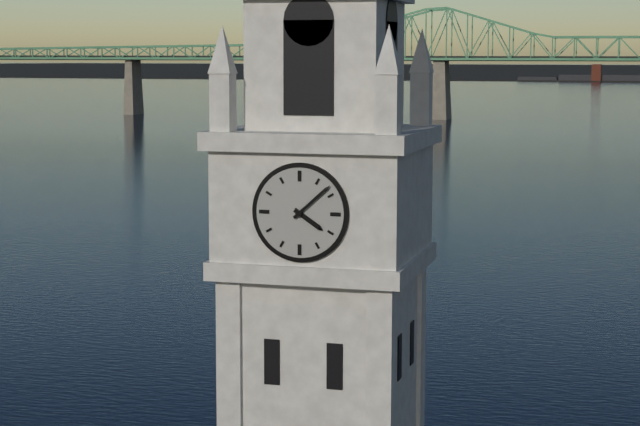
{"hour": 4, "minute": 8}
